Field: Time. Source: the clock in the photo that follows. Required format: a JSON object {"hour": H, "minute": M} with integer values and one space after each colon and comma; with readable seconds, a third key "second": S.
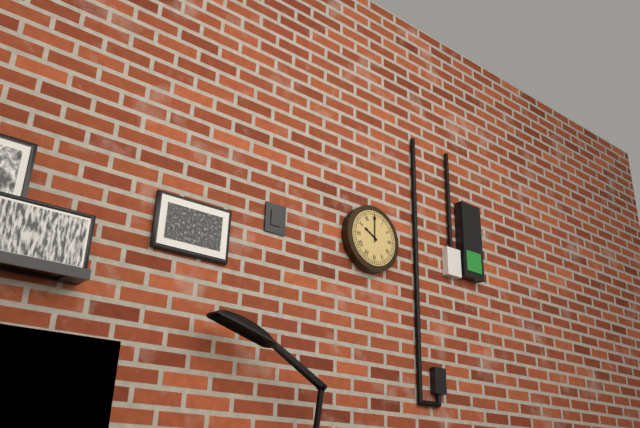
{"hour": 10, "minute": 0}
